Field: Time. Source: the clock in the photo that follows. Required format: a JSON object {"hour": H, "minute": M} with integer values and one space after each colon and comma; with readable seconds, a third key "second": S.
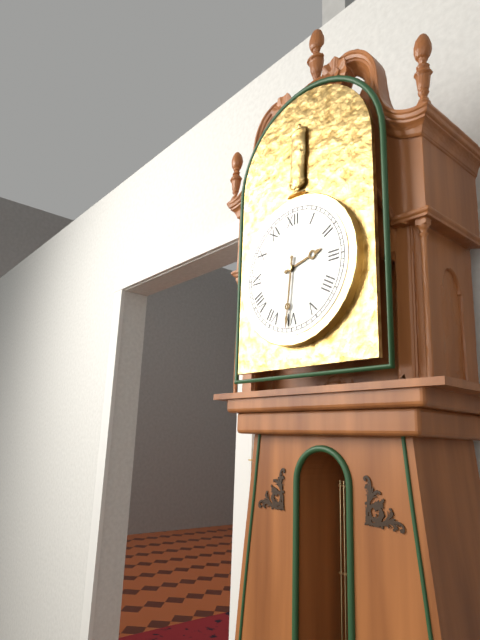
{"hour": 2, "minute": 31}
